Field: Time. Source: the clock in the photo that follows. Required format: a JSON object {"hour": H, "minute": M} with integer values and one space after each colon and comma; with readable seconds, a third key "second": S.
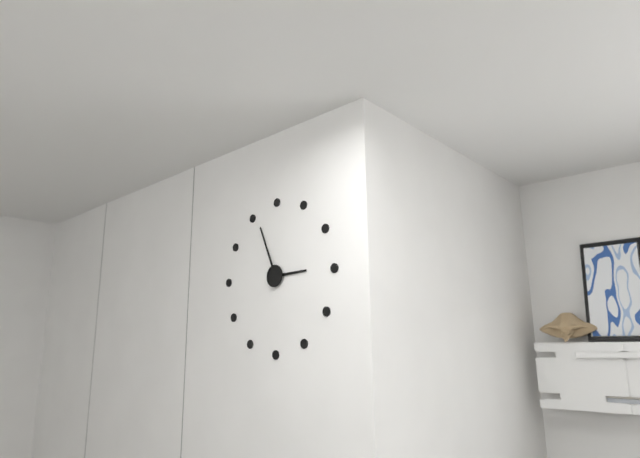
{"hour": 2, "minute": 56}
